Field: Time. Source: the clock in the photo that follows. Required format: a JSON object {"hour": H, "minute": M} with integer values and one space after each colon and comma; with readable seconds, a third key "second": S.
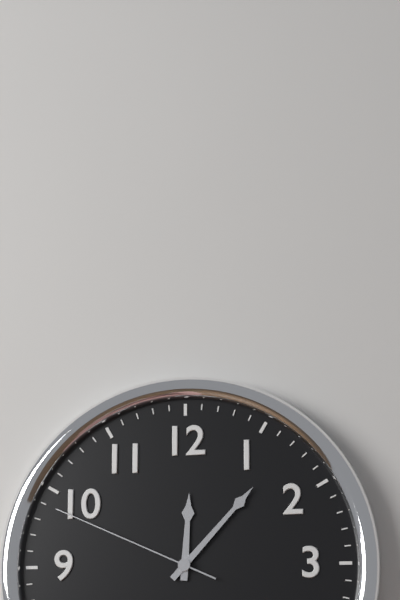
{"hour": 12, "minute": 7, "second": 49}
